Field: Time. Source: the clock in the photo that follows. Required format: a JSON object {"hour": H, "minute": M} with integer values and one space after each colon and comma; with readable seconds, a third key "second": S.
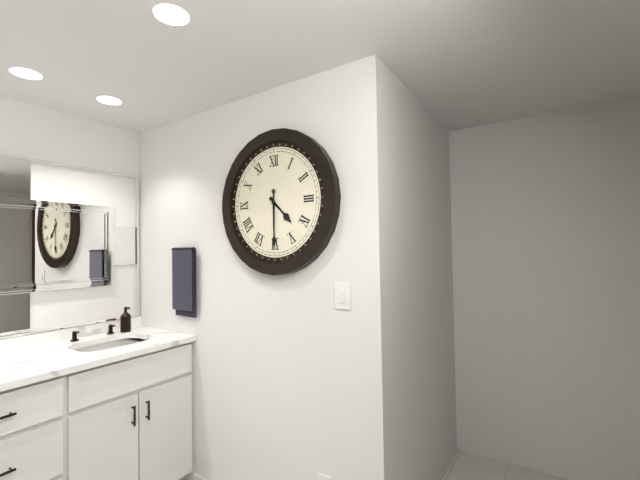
{"hour": 4, "minute": 30}
